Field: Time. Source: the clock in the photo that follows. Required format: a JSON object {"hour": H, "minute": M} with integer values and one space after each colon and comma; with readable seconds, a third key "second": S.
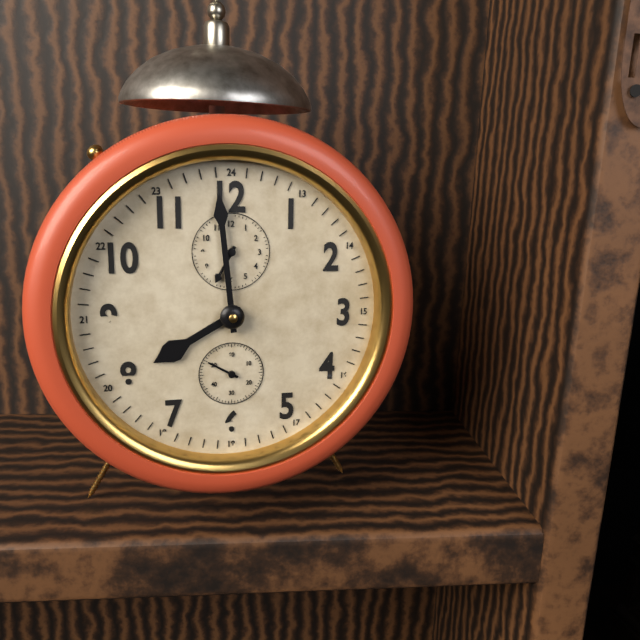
{"hour": 7, "minute": 59}
